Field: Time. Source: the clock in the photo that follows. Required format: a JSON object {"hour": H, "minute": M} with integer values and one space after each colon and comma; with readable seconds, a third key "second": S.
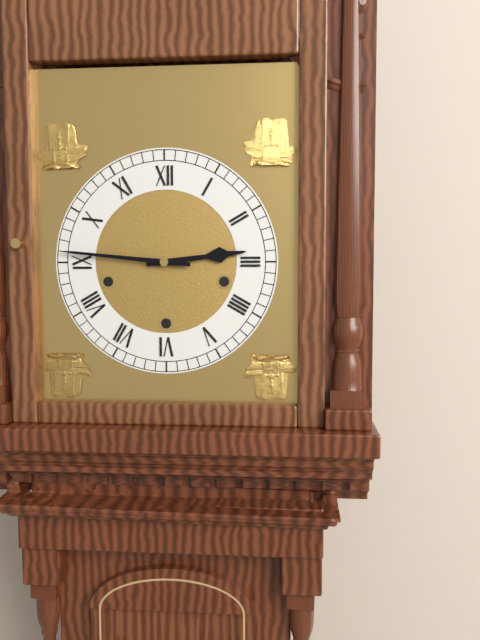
{"hour": 2, "minute": 46}
